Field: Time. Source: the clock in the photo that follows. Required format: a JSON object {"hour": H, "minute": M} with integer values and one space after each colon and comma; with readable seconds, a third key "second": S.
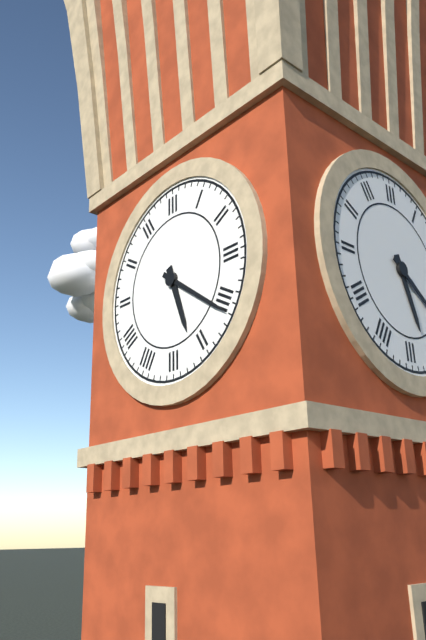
{"hour": 5, "minute": 21}
